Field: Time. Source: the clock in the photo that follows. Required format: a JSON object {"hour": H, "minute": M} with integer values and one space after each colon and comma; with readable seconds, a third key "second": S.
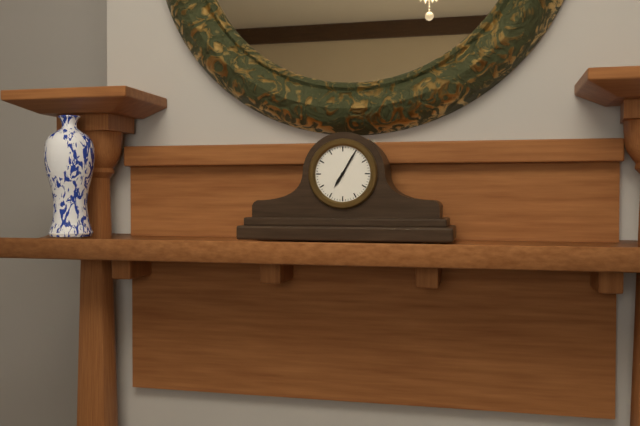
{"hour": 7, "minute": 5}
